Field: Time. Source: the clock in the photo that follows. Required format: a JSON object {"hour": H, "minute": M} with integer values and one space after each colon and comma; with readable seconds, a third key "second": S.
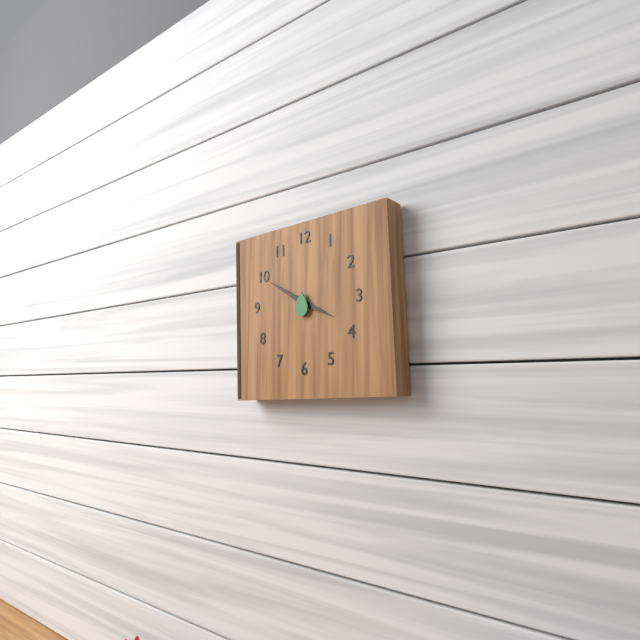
{"hour": 3, "minute": 50}
